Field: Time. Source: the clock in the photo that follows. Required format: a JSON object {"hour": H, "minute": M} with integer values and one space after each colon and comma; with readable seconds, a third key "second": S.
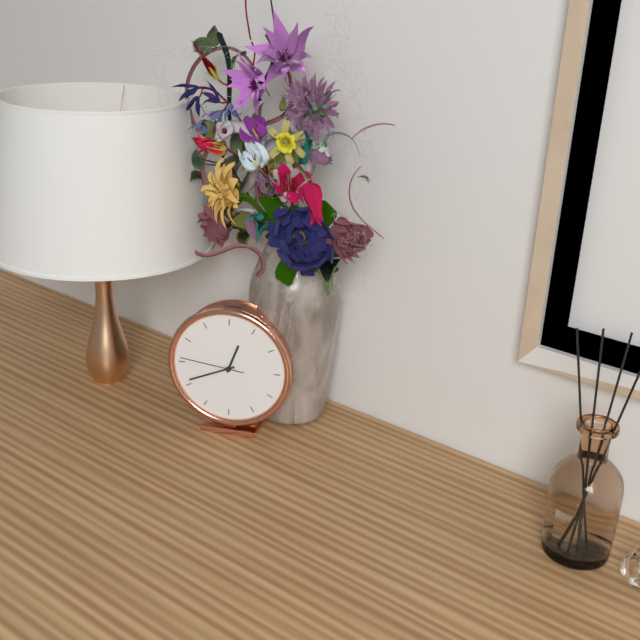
{"hour": 12, "minute": 41, "second": 46}
